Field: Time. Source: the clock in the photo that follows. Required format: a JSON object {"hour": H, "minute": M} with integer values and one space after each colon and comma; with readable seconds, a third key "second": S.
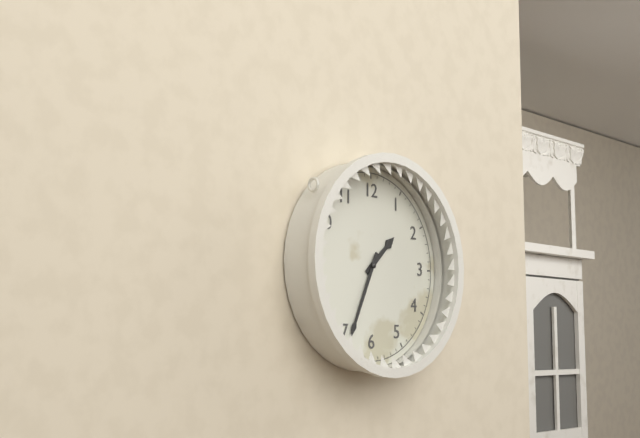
{"hour": 1, "minute": 34}
